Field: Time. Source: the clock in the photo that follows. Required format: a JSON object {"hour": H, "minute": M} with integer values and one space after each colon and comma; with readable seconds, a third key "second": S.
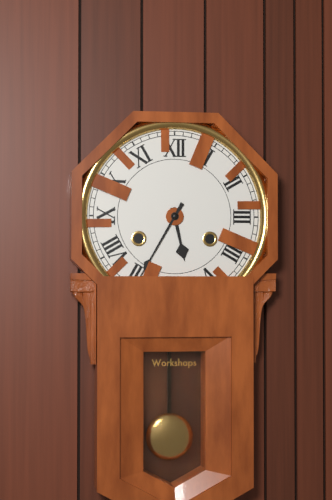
{"hour": 5, "minute": 35}
